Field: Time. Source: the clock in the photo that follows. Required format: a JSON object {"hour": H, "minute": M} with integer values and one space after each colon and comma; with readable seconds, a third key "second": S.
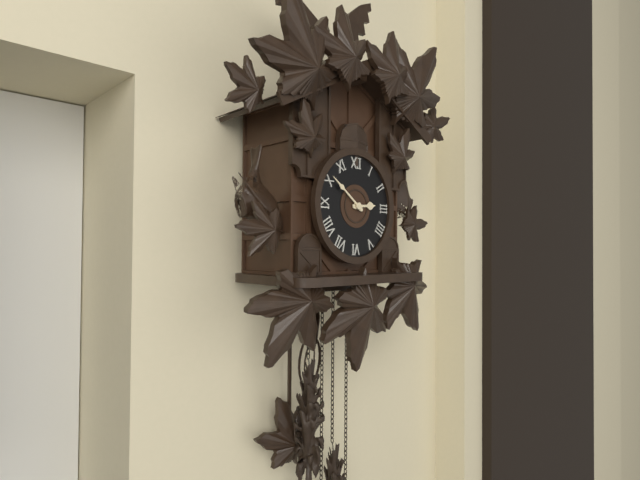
{"hour": 2, "minute": 51}
